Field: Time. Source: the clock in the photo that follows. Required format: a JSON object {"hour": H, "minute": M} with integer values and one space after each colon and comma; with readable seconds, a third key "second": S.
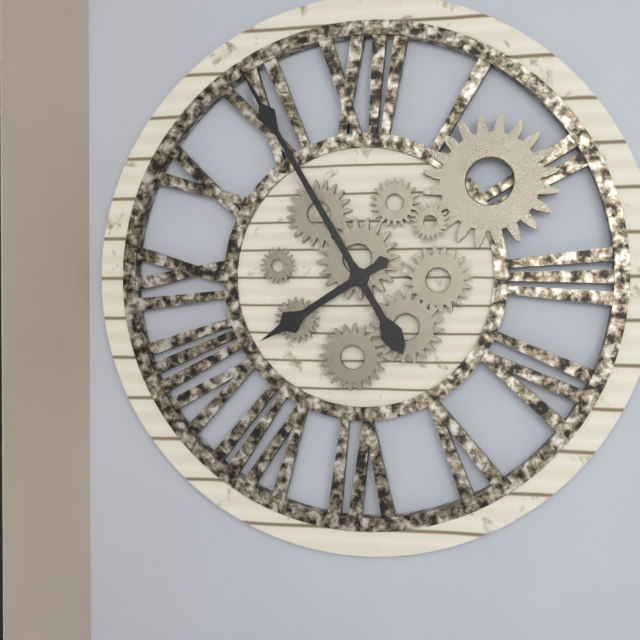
{"hour": 7, "minute": 55}
